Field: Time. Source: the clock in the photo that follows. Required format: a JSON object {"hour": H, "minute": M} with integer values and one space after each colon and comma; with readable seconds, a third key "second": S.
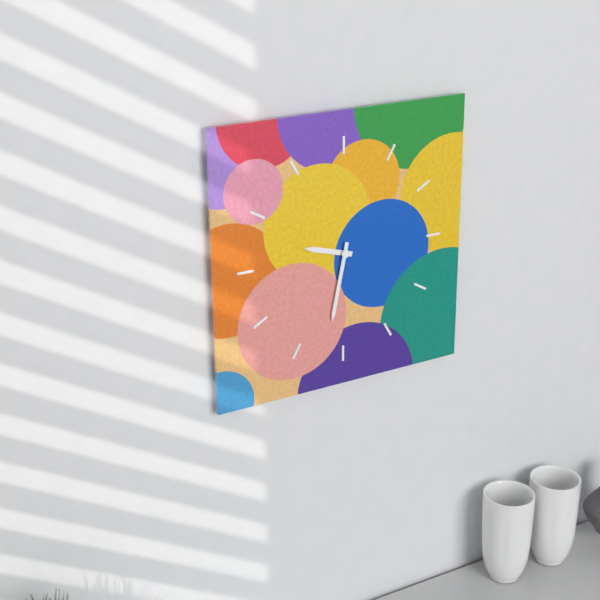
{"hour": 9, "minute": 32}
